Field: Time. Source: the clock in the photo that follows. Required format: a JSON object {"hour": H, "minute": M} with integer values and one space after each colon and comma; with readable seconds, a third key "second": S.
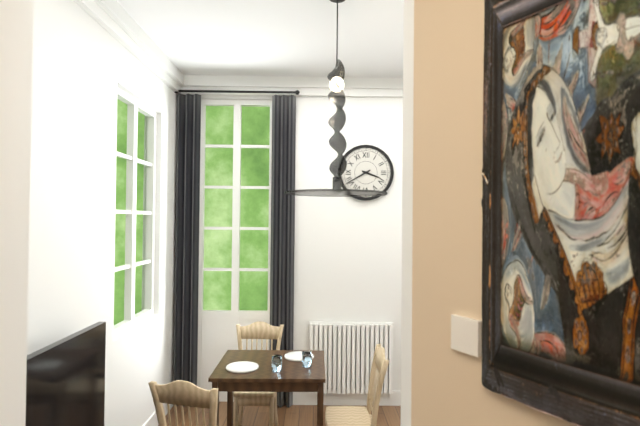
{"hour": 3, "minute": 40}
